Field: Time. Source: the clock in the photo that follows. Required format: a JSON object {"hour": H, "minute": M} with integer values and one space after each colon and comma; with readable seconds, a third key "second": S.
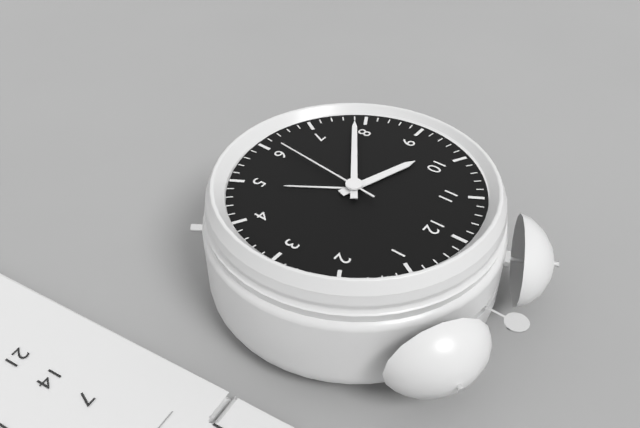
{"hour": 9, "minute": 39, "second": 31}
